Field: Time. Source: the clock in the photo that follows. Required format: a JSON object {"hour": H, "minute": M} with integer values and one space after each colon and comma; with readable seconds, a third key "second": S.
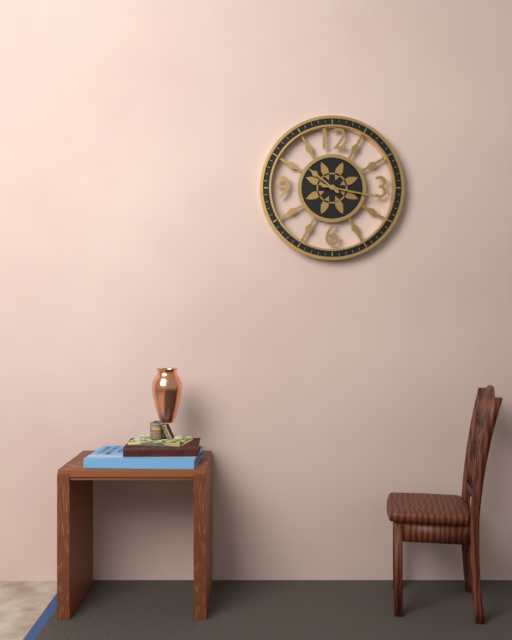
{"hour": 10, "minute": 17}
